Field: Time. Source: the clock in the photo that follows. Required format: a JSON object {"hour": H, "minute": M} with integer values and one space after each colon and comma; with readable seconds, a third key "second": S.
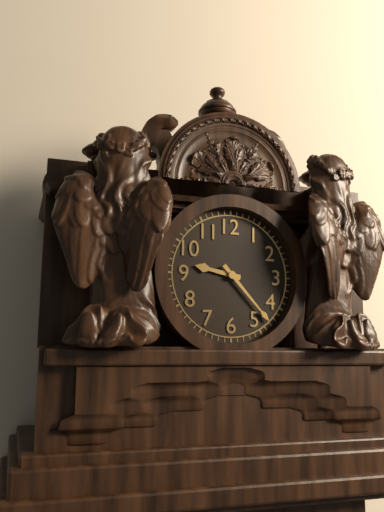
{"hour": 9, "minute": 23}
